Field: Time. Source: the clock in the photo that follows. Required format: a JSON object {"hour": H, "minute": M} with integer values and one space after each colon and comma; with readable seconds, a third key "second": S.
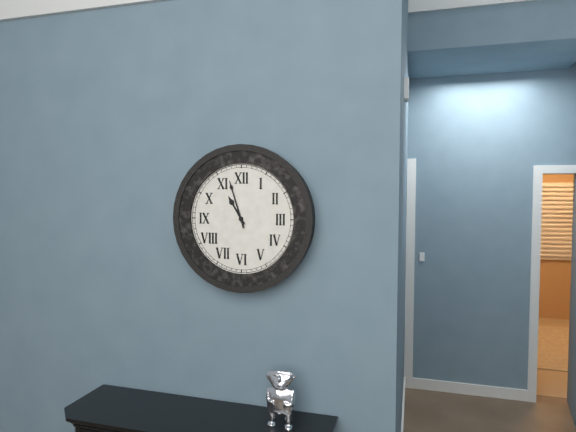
{"hour": 10, "minute": 57}
